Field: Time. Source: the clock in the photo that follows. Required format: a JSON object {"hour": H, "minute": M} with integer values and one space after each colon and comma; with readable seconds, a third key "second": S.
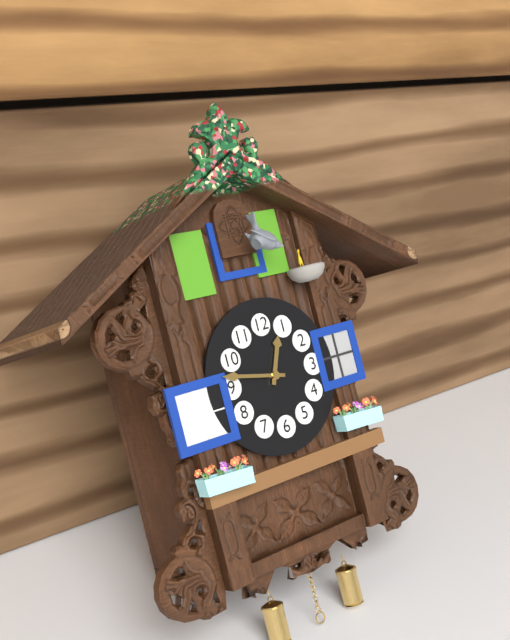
{"hour": 12, "minute": 47}
